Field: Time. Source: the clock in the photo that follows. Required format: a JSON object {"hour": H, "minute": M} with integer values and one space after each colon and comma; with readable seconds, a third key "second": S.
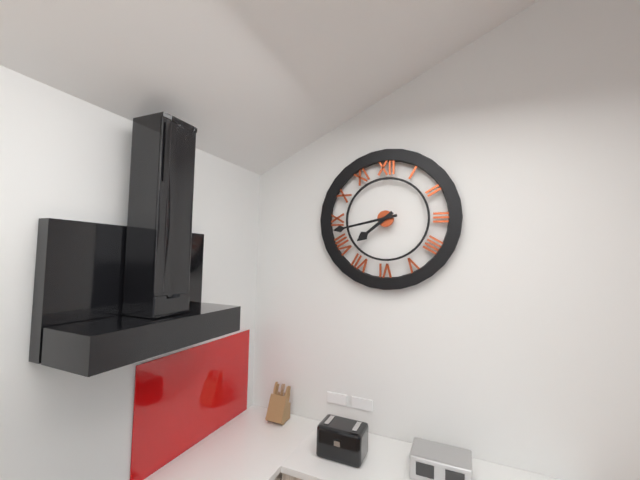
{"hour": 7, "minute": 43}
